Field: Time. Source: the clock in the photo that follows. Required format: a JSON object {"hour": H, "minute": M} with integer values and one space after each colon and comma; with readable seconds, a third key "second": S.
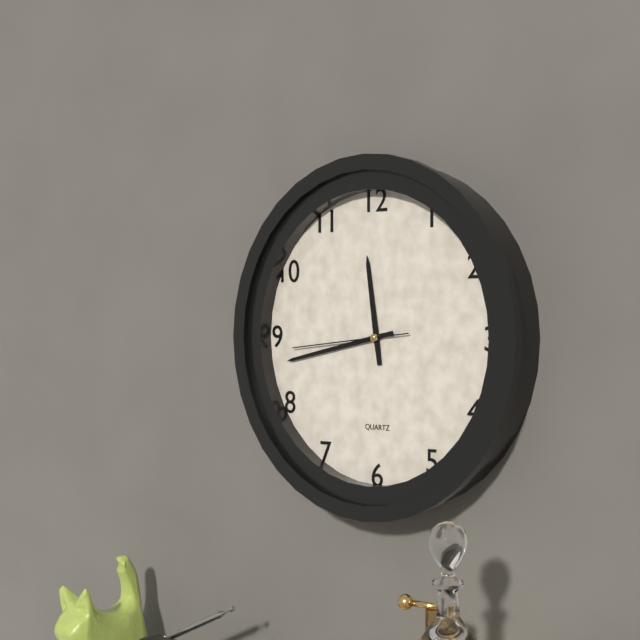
{"hour": 11, "minute": 43, "second": 44}
